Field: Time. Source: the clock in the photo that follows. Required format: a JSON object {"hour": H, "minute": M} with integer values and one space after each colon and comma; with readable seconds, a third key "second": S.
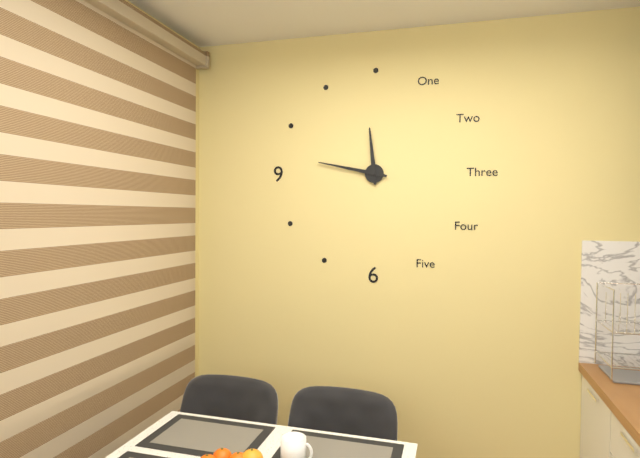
{"hour": 11, "minute": 47}
